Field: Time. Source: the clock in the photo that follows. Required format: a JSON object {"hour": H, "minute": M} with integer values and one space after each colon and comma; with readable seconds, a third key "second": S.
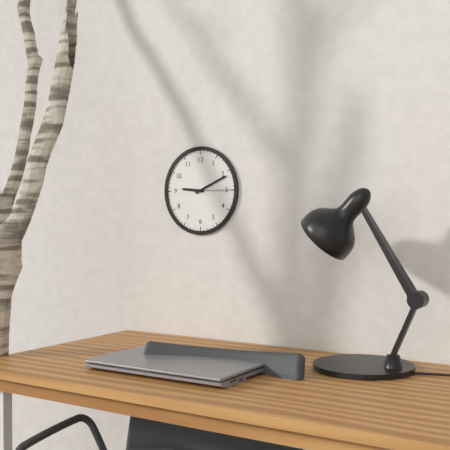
{"hour": 9, "minute": 11}
